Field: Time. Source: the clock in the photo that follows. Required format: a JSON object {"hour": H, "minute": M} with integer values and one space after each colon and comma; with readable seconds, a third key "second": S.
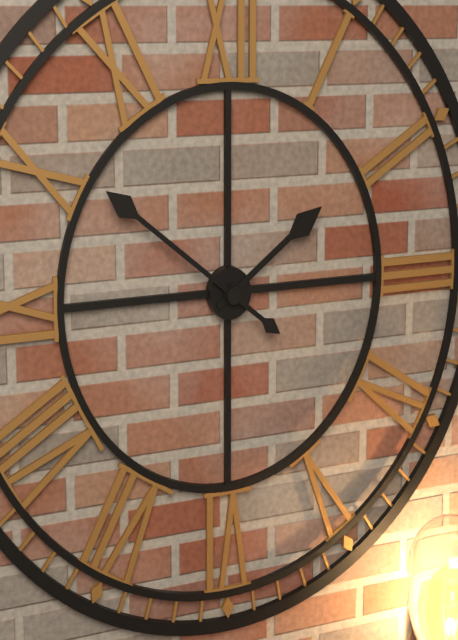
{"hour": 1, "minute": 51}
